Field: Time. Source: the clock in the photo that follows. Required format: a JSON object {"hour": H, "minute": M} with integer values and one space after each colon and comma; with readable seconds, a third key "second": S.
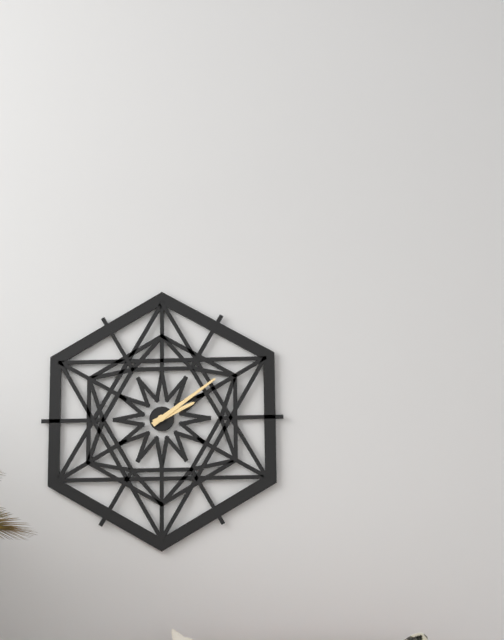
{"hour": 2, "minute": 9}
